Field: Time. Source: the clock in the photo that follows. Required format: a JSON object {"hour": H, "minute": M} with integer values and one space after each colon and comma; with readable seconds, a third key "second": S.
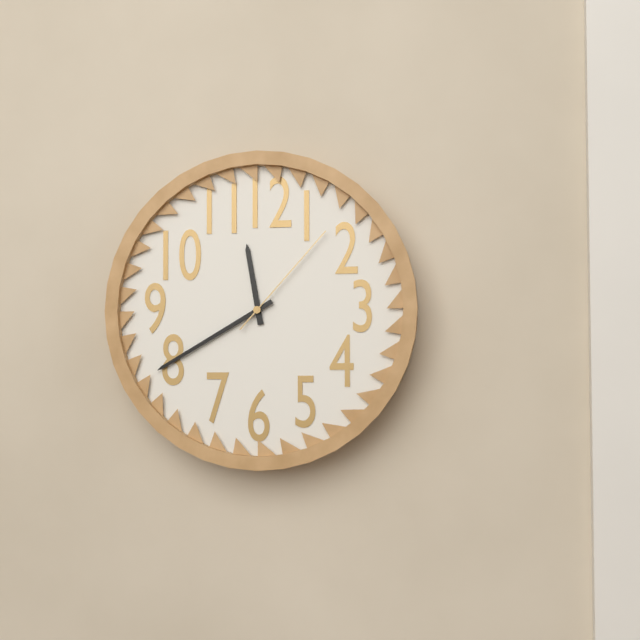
{"hour": 11, "minute": 40, "second": 7}
